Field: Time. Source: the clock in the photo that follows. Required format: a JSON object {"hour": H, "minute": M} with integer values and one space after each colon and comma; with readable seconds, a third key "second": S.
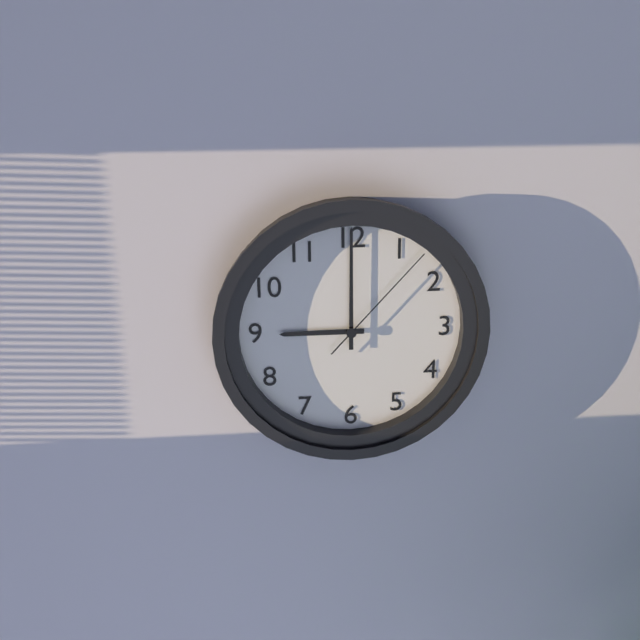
{"hour": 9, "minute": 0, "second": 7}
